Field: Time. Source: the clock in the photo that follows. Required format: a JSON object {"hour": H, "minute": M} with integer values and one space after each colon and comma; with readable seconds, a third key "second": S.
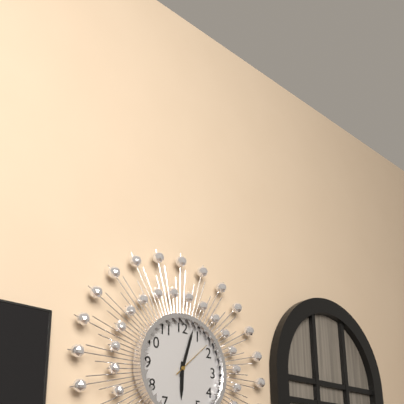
{"hour": 6, "minute": 3}
